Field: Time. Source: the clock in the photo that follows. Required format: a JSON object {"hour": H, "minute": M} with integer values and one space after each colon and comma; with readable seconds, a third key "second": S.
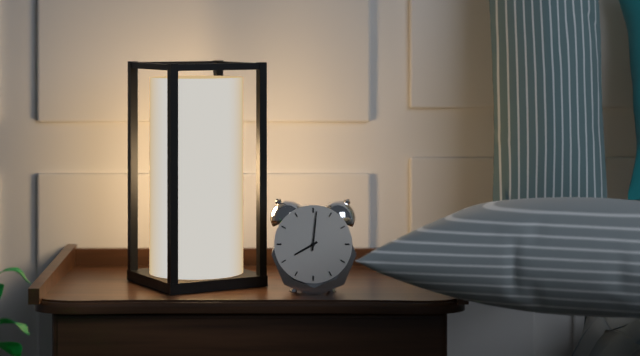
{"hour": 8, "minute": 1}
